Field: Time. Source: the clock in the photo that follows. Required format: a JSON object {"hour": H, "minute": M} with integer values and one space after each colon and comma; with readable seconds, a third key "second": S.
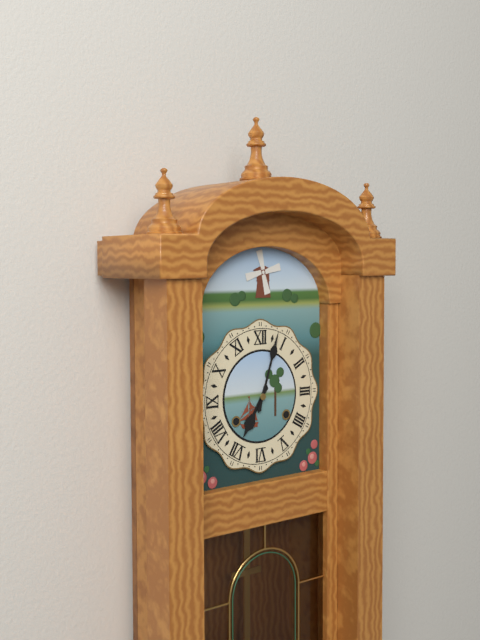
{"hour": 7, "minute": 3}
